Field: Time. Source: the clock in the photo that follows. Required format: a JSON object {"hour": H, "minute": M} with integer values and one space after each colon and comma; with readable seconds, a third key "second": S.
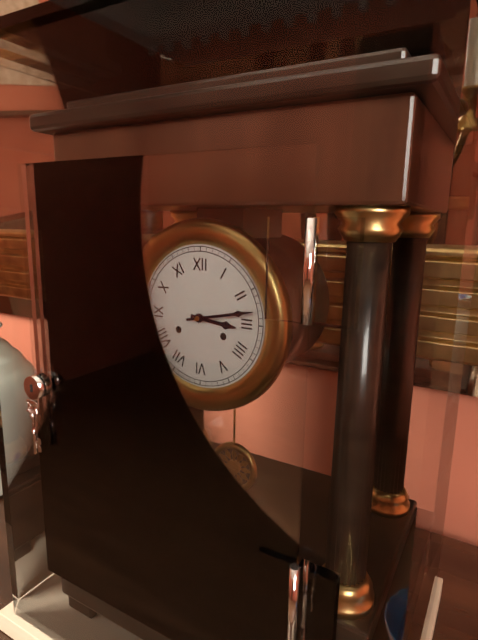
{"hour": 3, "minute": 13}
